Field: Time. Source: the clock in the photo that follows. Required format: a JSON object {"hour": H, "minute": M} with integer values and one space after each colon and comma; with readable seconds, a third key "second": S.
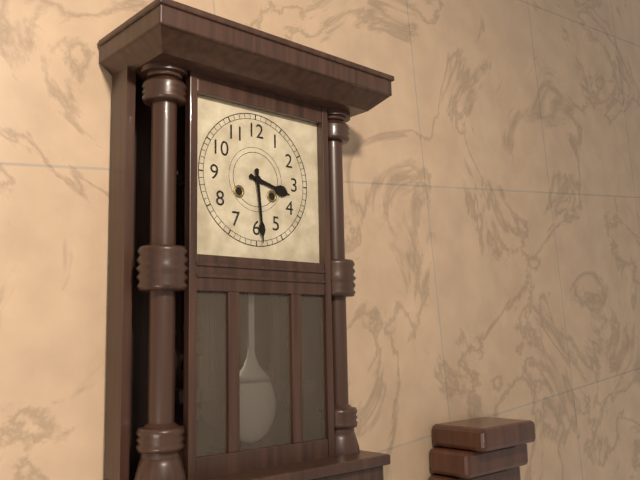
{"hour": 3, "minute": 29}
